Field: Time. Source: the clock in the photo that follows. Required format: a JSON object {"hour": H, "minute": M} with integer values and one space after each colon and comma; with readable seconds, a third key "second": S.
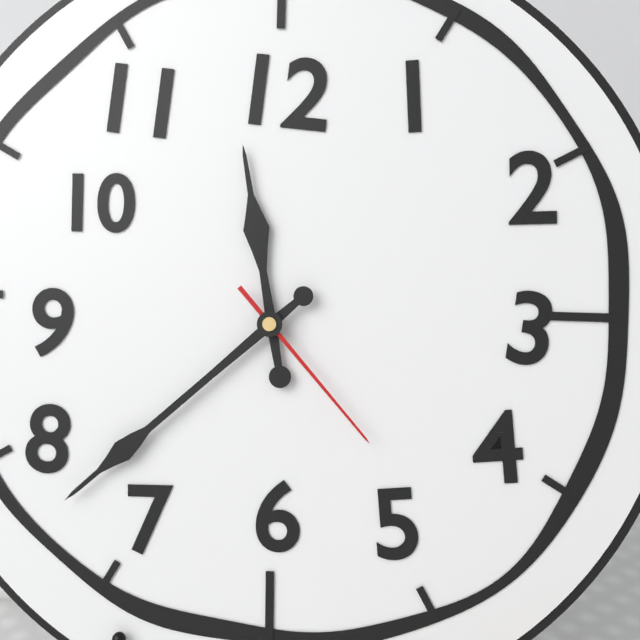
{"hour": 11, "minute": 38, "second": 23}
